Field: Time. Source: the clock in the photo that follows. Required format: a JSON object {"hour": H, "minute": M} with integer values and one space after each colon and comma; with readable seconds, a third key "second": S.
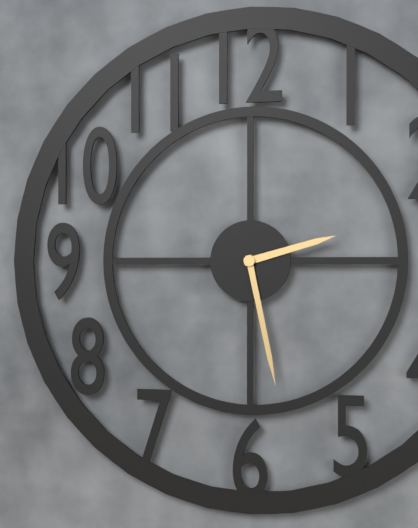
{"hour": 2, "minute": 28}
